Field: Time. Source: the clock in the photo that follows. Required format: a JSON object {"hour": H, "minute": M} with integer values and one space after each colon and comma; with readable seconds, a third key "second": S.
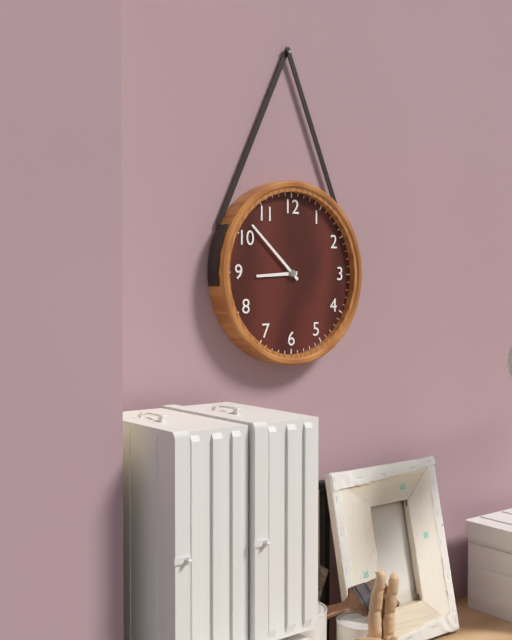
{"hour": 8, "minute": 52}
